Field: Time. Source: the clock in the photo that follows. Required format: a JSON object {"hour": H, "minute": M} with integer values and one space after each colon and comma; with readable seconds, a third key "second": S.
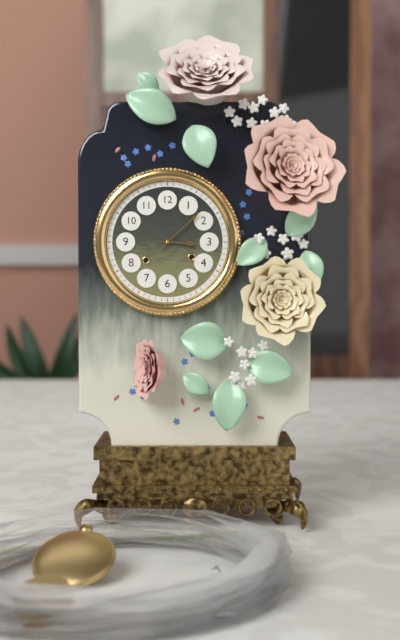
{"hour": 3, "minute": 8}
